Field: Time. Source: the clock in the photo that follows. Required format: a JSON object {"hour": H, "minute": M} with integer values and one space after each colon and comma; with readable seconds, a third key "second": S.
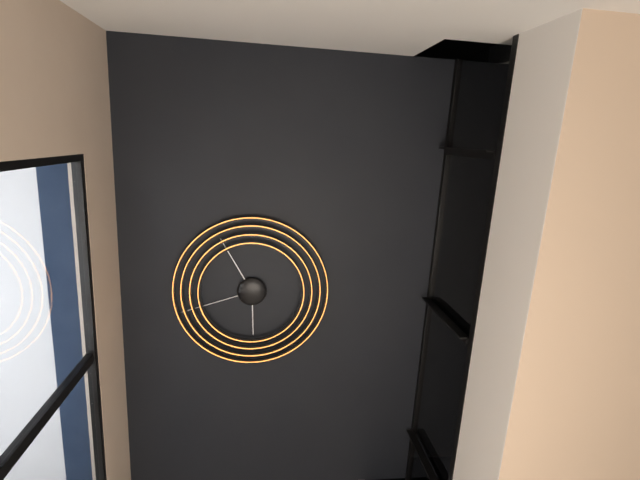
{"hour": 5, "minute": 55, "second": 42}
